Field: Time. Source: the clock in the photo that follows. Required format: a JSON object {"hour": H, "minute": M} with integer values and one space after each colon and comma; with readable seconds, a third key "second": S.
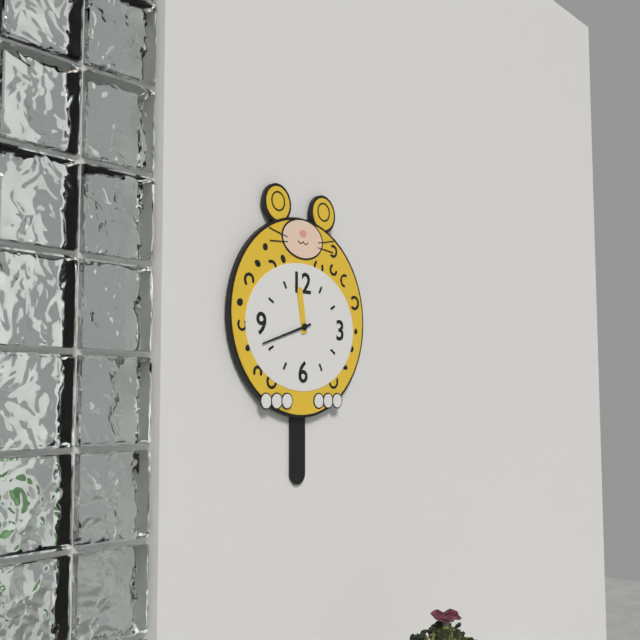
{"hour": 11, "minute": 42}
